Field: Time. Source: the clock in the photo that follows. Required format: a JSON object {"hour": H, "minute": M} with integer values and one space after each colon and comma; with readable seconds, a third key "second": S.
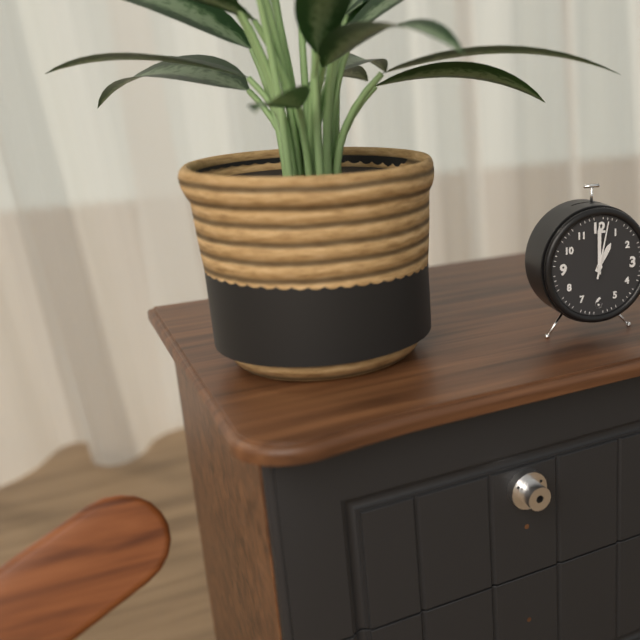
{"hour": 1, "minute": 0, "second": 2}
